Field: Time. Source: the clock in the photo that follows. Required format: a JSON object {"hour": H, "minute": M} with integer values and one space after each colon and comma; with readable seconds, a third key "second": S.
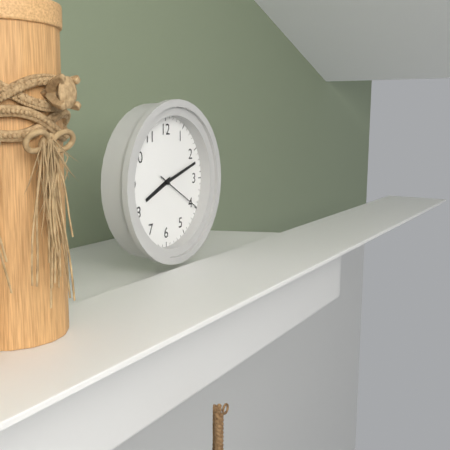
{"hour": 8, "minute": 12}
